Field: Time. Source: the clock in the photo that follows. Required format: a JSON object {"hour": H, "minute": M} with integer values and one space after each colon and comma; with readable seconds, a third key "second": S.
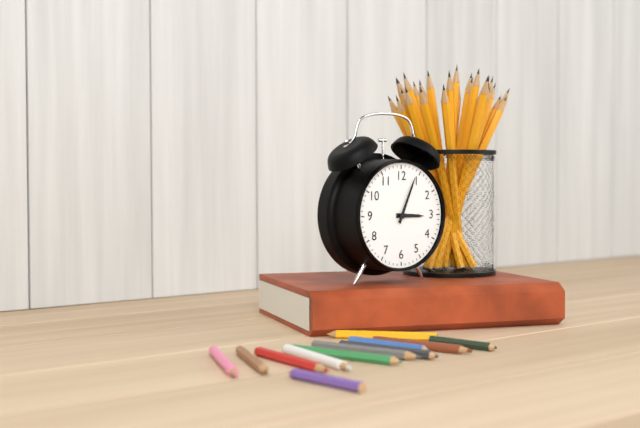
{"hour": 3, "minute": 4}
